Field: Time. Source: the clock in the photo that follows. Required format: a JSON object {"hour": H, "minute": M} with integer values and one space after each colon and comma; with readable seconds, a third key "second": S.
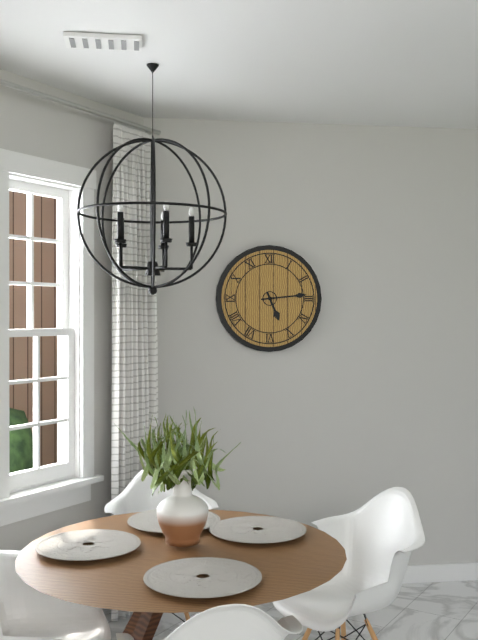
{"hour": 5, "minute": 14}
